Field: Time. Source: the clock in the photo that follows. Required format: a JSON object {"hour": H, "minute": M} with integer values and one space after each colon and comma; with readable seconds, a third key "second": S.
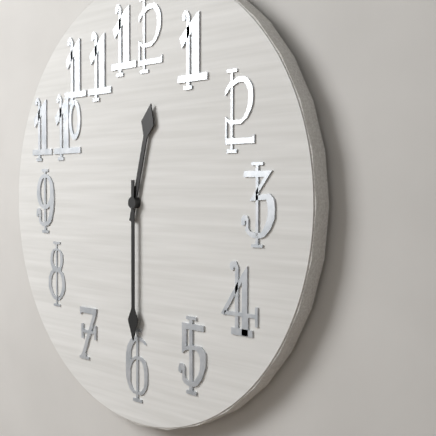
{"hour": 12, "minute": 30}
